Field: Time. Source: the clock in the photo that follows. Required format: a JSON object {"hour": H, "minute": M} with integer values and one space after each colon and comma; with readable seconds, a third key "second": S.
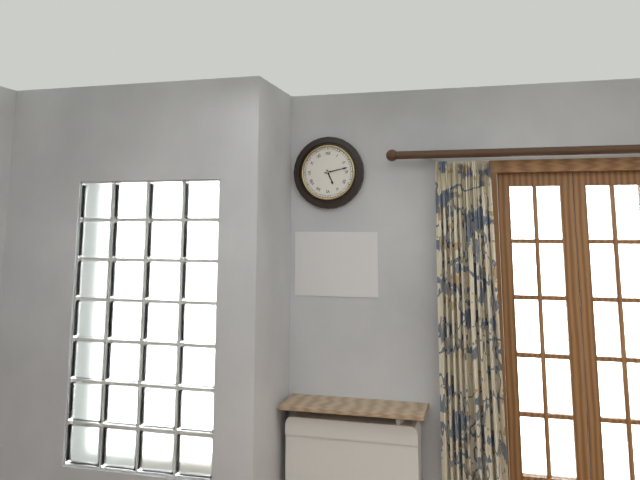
{"hour": 5, "minute": 13}
